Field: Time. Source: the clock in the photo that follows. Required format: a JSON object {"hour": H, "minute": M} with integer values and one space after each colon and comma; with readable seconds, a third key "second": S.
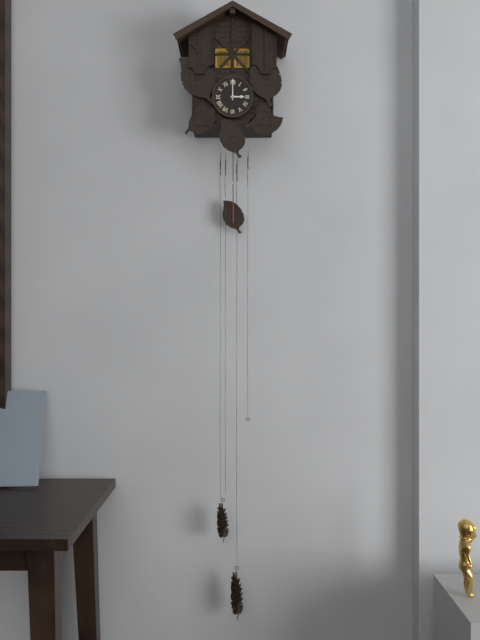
{"hour": 3, "minute": 0}
